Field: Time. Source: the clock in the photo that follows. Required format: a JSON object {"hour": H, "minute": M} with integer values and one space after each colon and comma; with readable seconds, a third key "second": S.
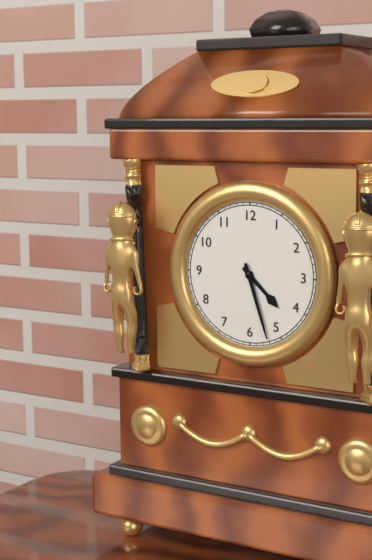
{"hour": 4, "minute": 27}
